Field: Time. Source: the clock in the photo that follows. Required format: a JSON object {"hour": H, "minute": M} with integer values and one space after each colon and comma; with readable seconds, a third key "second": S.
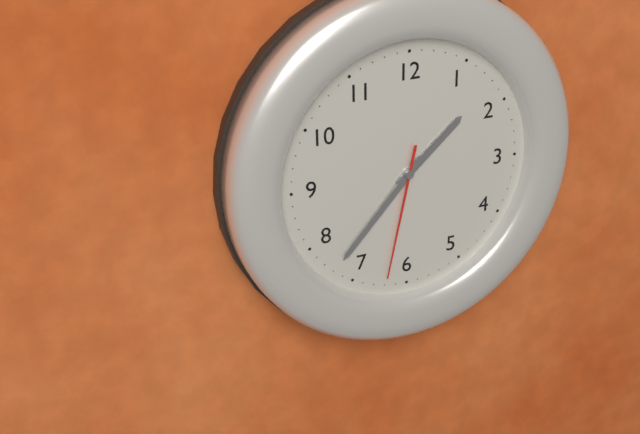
{"hour": 1, "minute": 37, "second": 32}
